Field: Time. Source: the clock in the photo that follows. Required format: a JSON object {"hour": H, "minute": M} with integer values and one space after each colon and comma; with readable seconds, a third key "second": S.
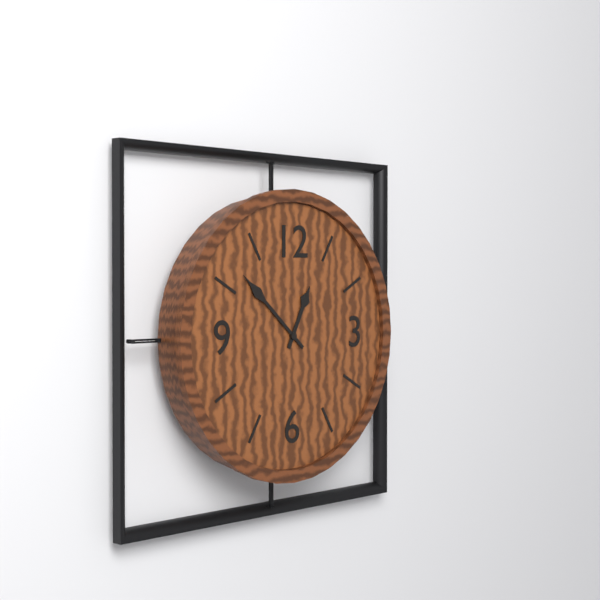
{"hour": 12, "minute": 52}
